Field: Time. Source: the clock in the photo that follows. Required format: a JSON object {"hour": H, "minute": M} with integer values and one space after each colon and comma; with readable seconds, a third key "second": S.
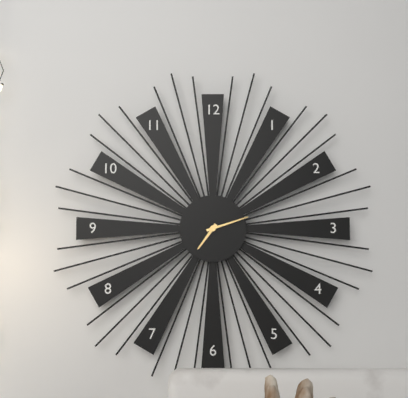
{"hour": 7, "minute": 12}
